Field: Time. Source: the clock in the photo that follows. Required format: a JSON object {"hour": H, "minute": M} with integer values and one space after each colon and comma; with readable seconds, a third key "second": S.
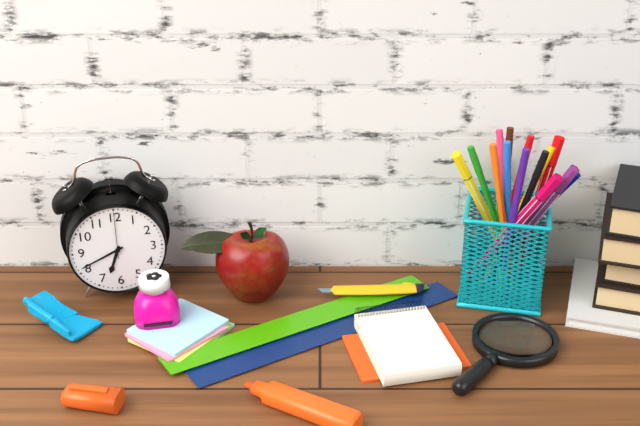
{"hour": 6, "minute": 41}
